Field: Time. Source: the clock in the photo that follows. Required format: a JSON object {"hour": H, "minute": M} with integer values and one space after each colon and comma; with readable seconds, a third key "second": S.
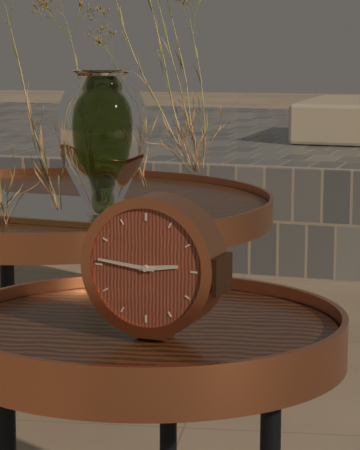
{"hour": 2, "minute": 46}
